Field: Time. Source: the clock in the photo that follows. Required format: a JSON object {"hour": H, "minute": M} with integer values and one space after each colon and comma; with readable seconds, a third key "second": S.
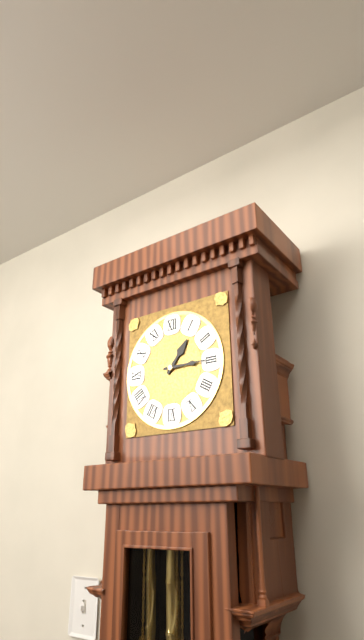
{"hour": 1, "minute": 15}
